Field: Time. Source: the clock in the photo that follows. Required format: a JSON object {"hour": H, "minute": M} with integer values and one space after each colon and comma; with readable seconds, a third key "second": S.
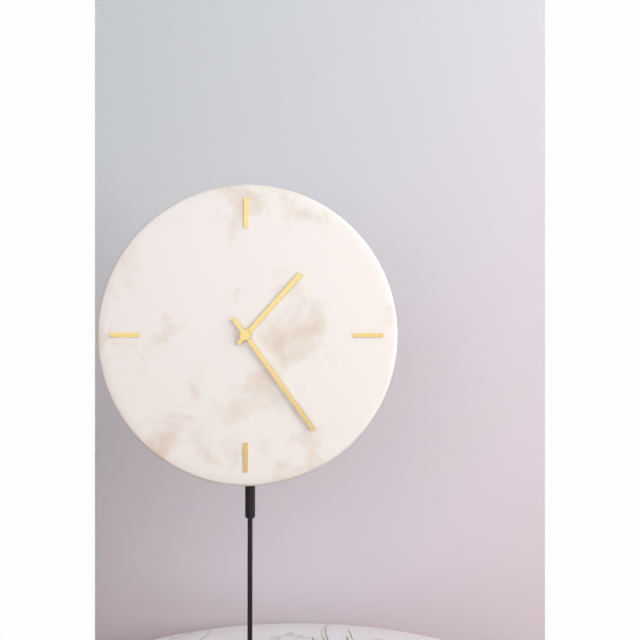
{"hour": 1, "minute": 24}
